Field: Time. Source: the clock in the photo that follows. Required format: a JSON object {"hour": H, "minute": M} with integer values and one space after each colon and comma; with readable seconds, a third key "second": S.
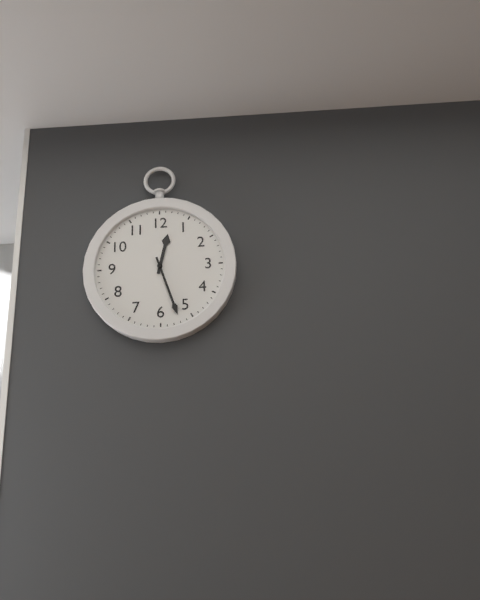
{"hour": 12, "minute": 27}
